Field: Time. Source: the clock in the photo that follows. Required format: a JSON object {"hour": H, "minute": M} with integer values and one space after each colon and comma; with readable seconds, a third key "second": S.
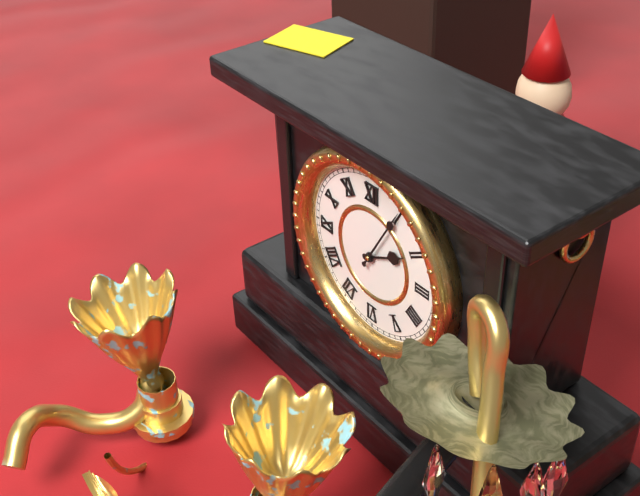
{"hour": 2, "minute": 5}
